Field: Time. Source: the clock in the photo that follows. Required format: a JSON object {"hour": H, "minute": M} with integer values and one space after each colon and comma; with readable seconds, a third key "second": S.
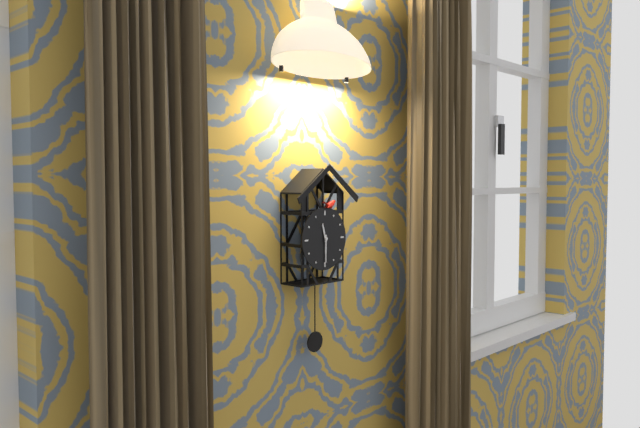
{"hour": 11, "minute": 30}
